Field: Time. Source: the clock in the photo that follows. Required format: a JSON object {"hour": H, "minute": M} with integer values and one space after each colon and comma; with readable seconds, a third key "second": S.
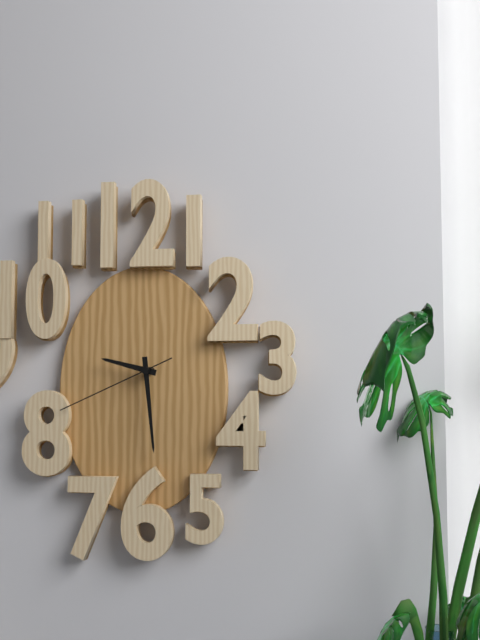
{"hour": 9, "minute": 29, "second": 41}
